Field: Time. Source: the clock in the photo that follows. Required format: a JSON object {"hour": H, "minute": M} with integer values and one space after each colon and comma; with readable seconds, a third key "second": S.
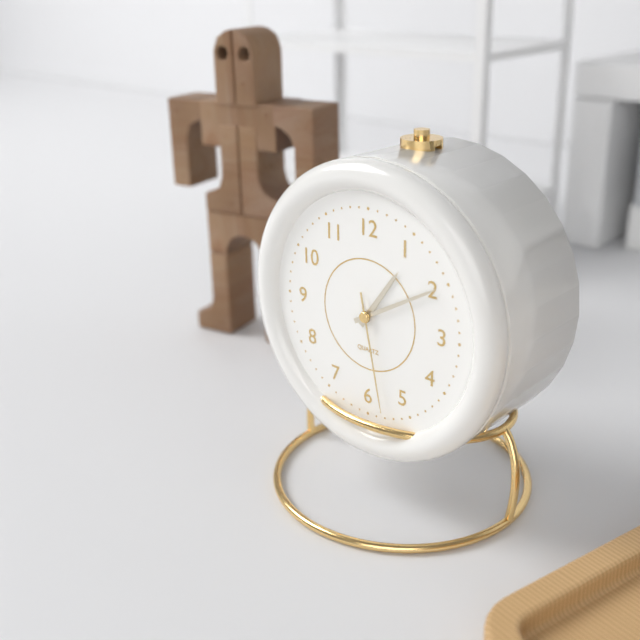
{"hour": 1, "minute": 10, "second": 28}
